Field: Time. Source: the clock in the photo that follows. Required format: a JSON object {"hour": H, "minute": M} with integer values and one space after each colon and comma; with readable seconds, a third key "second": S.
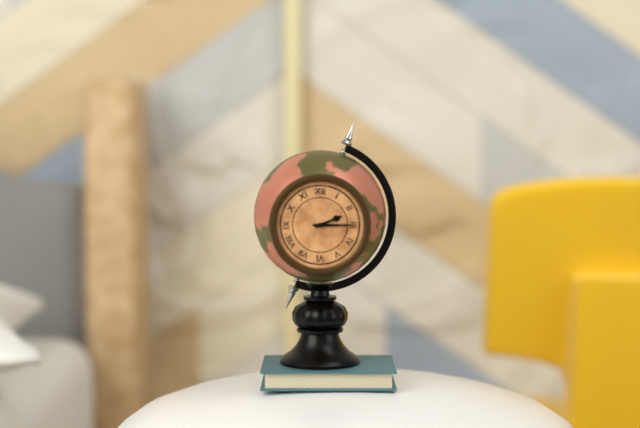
{"hour": 2, "minute": 15}
